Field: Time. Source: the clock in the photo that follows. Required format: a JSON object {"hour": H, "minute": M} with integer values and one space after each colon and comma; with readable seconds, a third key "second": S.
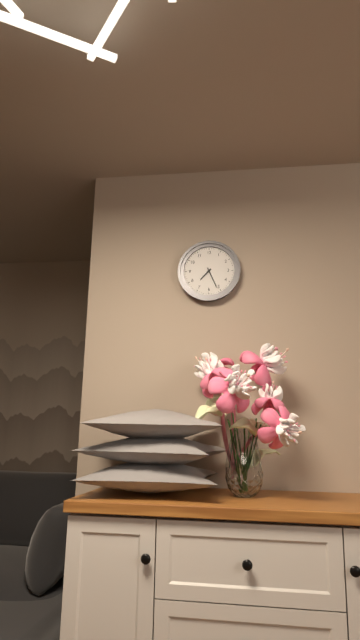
{"hour": 7, "minute": 26}
